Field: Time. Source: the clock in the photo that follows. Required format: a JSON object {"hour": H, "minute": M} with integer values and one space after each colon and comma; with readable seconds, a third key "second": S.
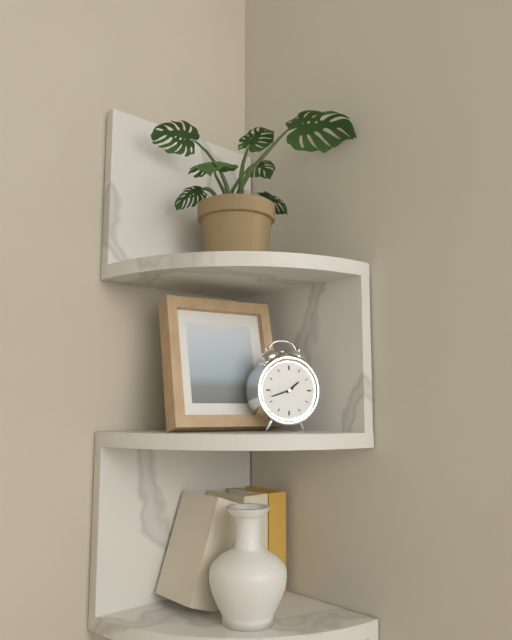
{"hour": 1, "minute": 42}
